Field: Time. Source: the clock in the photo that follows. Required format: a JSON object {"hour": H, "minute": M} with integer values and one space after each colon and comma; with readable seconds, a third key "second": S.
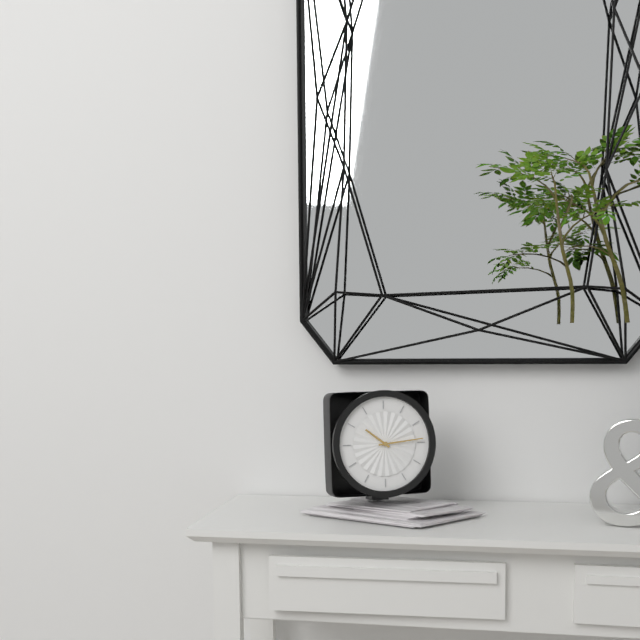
{"hour": 10, "minute": 14}
